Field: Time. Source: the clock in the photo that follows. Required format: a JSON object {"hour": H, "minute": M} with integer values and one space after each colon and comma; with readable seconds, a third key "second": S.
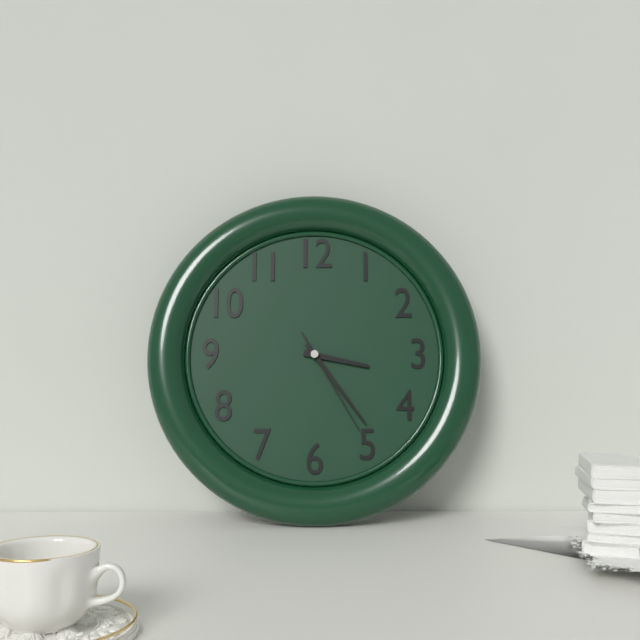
{"hour": 3, "minute": 24, "second": 25}
